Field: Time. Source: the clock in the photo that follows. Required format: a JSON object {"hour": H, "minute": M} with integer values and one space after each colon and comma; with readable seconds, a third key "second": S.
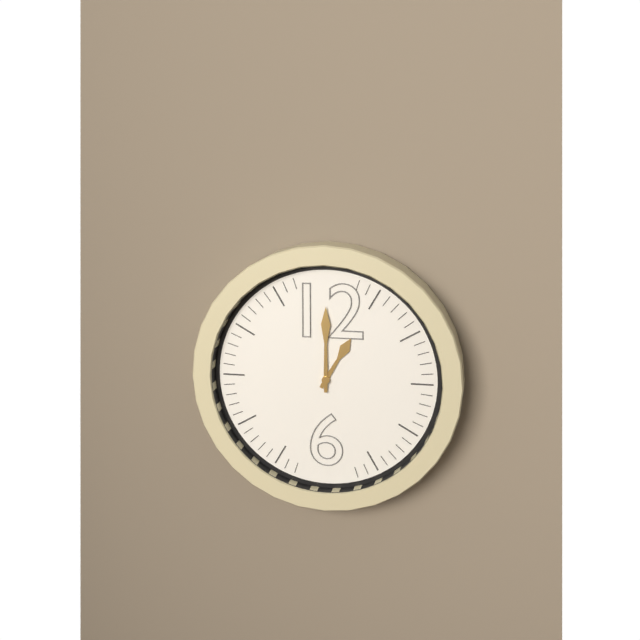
{"hour": 1, "minute": 0}
